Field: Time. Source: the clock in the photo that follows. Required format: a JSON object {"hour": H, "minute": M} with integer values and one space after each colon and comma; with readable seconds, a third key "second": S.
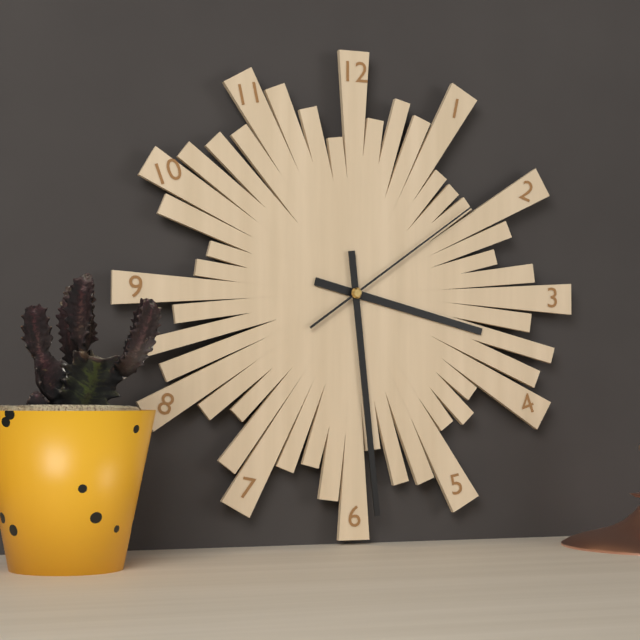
{"hour": 3, "minute": 29, "second": 9}
